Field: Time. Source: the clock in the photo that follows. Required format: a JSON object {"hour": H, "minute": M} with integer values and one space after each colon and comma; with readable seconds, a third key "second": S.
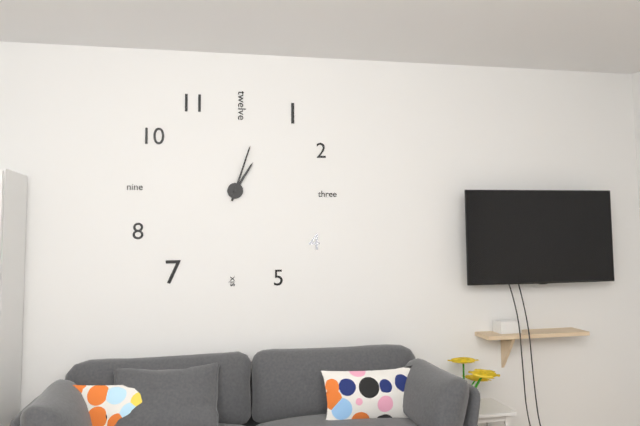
{"hour": 1, "minute": 3}
